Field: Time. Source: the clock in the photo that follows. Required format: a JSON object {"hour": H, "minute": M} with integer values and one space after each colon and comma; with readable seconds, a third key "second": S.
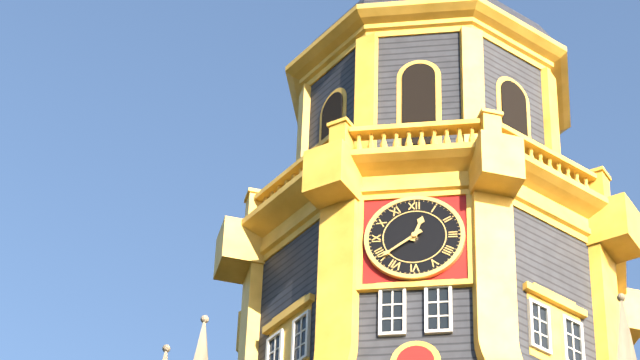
{"hour": 12, "minute": 39}
